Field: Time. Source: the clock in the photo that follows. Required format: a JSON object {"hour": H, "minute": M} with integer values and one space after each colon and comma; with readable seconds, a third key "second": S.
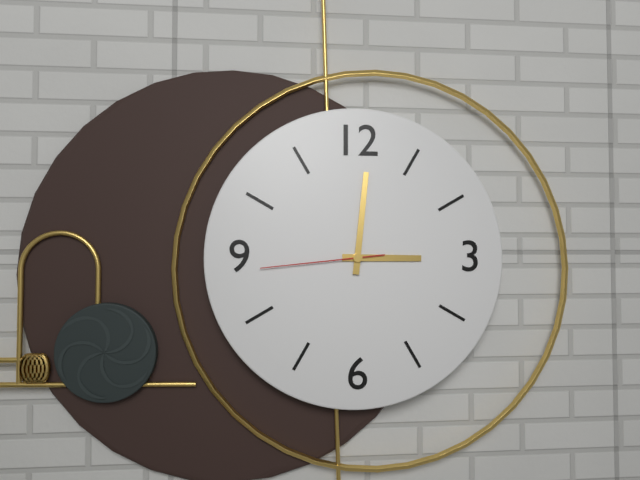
{"hour": 3, "minute": 1, "second": 44}
